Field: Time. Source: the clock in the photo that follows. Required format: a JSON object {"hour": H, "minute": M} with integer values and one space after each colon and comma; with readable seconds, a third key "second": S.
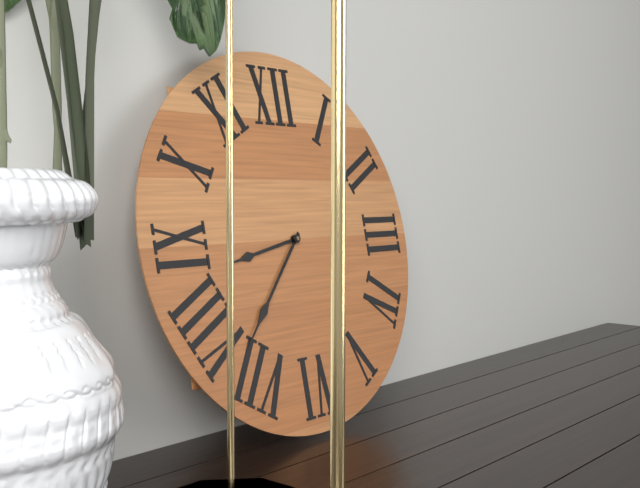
{"hour": 8, "minute": 37}
